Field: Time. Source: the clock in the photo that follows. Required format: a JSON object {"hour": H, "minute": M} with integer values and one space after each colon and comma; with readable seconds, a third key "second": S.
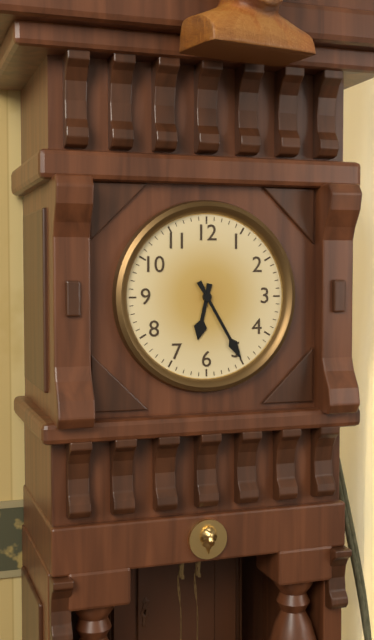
{"hour": 6, "minute": 25}
